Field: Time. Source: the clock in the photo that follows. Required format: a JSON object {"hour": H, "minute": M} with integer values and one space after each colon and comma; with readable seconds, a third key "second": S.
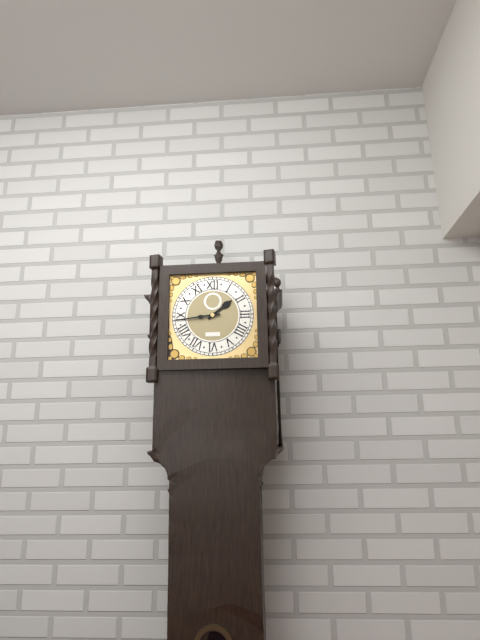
{"hour": 1, "minute": 44}
